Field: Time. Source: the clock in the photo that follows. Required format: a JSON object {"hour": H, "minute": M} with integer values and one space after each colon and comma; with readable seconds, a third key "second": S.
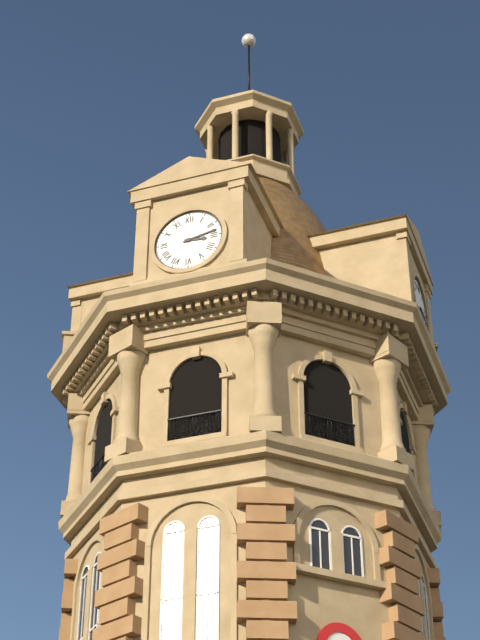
{"hour": 3, "minute": 13}
